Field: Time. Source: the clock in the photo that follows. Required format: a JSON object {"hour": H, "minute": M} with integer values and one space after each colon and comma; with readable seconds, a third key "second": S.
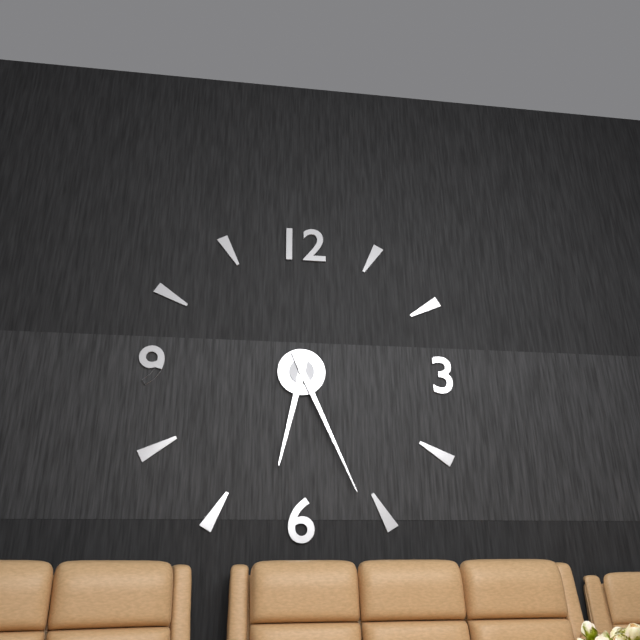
{"hour": 6, "minute": 26}
